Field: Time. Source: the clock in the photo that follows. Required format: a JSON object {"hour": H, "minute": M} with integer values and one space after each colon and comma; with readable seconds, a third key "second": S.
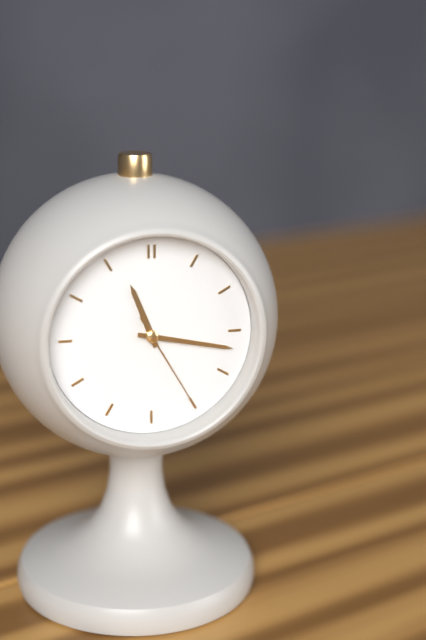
{"hour": 11, "minute": 17, "second": 25}
